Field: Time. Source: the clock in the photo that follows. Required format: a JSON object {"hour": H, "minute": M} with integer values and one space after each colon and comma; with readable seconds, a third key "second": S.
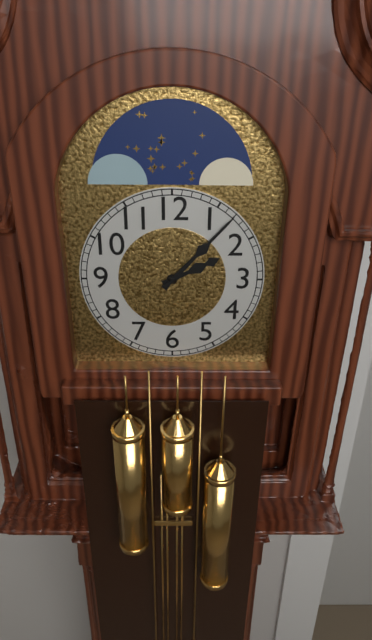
{"hour": 2, "minute": 7}
